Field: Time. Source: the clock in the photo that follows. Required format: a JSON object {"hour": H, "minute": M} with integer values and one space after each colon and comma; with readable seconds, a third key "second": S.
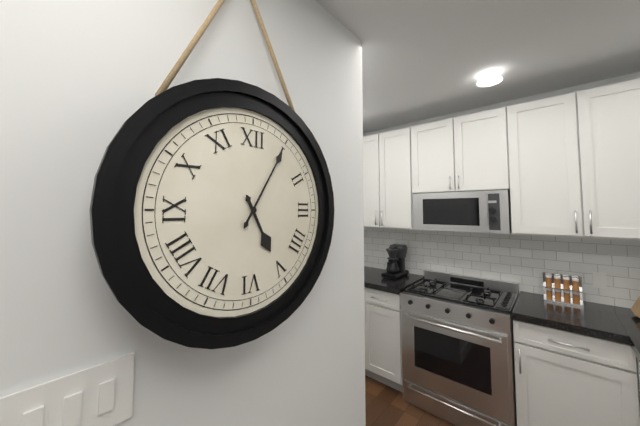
{"hour": 5, "minute": 5}
